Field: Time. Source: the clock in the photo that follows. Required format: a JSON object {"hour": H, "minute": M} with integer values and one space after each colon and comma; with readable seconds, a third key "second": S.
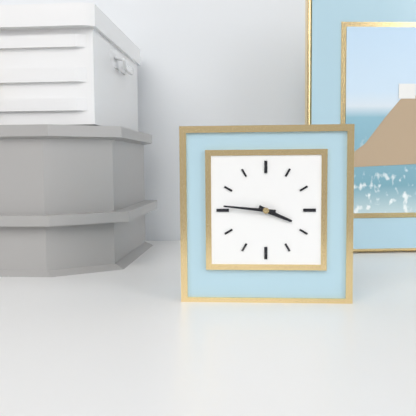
{"hour": 3, "minute": 46}
